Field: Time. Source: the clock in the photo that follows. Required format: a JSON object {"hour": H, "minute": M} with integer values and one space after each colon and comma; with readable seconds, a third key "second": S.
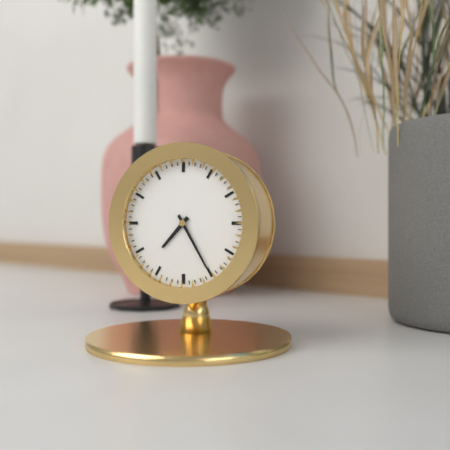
{"hour": 7, "minute": 25}
